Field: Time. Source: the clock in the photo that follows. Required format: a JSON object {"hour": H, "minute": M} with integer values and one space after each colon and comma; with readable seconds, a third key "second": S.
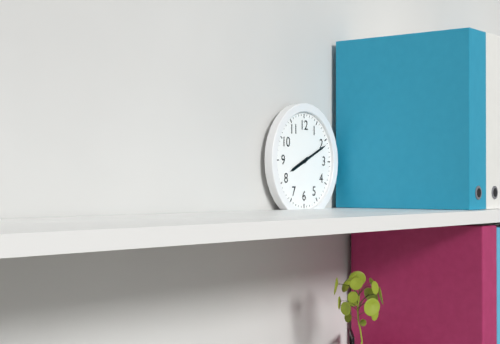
{"hour": 8, "minute": 11}
